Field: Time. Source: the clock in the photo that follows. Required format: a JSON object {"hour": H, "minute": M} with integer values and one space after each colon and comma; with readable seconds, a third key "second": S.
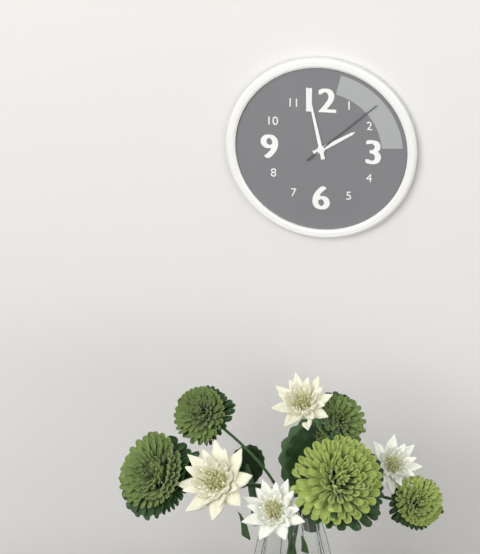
{"hour": 1, "minute": 58, "second": 8}
